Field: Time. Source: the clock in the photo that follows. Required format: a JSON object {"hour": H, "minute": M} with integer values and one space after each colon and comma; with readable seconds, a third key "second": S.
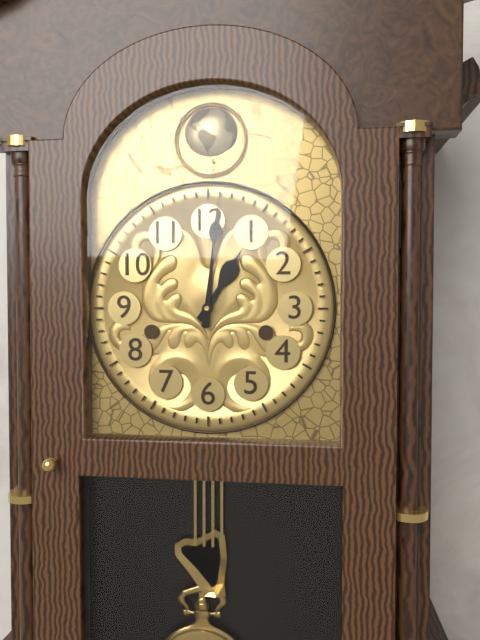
{"hour": 1, "minute": 1}
